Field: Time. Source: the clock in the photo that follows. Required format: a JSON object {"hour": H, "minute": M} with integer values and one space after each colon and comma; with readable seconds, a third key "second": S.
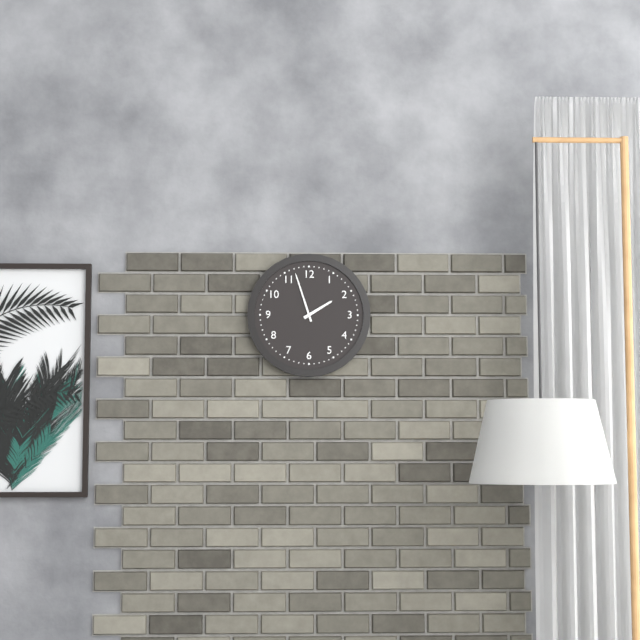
{"hour": 1, "minute": 57}
